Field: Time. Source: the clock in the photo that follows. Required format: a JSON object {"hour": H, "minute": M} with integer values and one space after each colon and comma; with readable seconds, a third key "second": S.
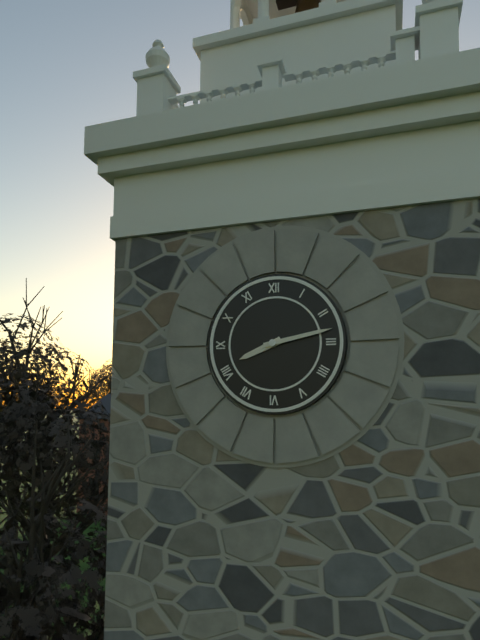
{"hour": 8, "minute": 13}
